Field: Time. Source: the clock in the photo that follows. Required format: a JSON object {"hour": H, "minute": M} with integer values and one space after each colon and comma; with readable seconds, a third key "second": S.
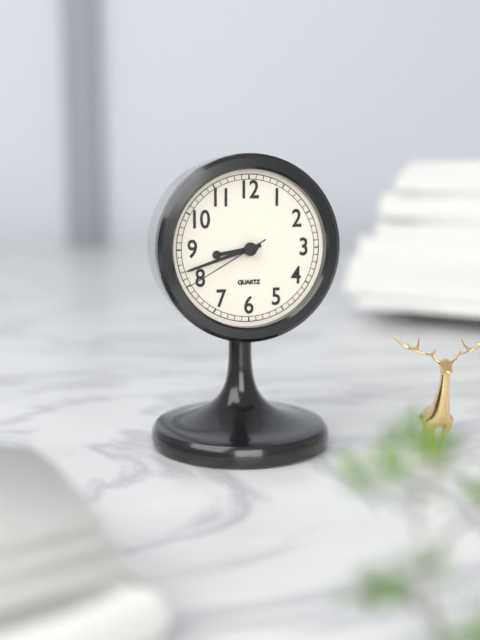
{"hour": 8, "minute": 42, "second": 40}
